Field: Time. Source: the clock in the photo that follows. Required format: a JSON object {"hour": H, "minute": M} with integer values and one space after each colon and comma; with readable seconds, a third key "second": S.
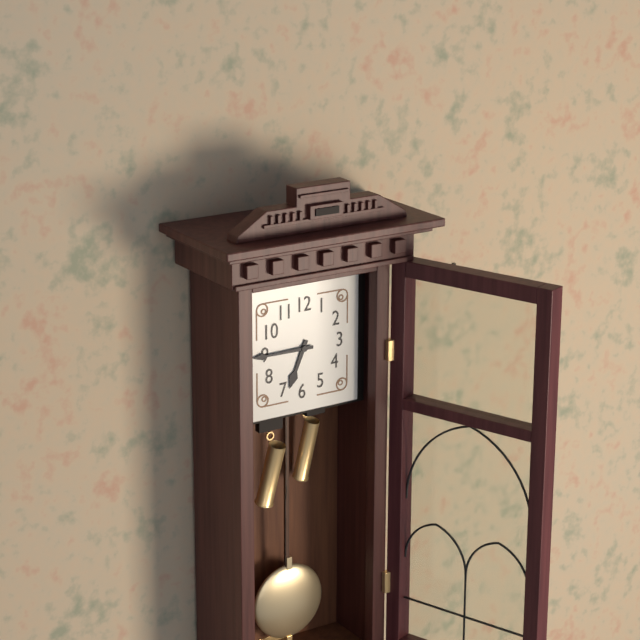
{"hour": 6, "minute": 45}
